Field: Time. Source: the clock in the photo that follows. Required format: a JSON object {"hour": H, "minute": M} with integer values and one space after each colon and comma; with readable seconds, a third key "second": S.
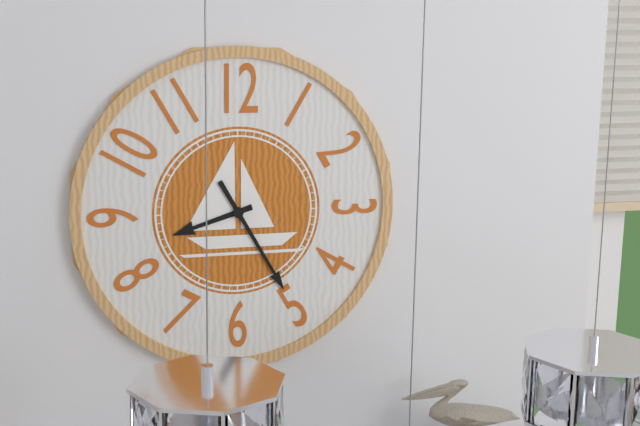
{"hour": 8, "minute": 25}
